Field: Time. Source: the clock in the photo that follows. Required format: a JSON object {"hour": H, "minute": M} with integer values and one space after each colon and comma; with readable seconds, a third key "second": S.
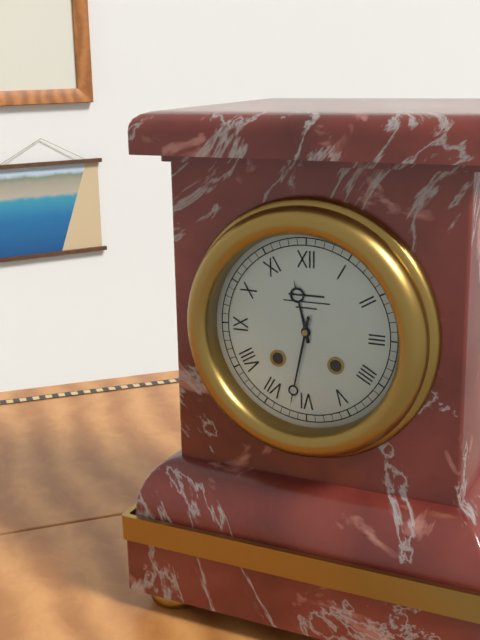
{"hour": 11, "minute": 32}
